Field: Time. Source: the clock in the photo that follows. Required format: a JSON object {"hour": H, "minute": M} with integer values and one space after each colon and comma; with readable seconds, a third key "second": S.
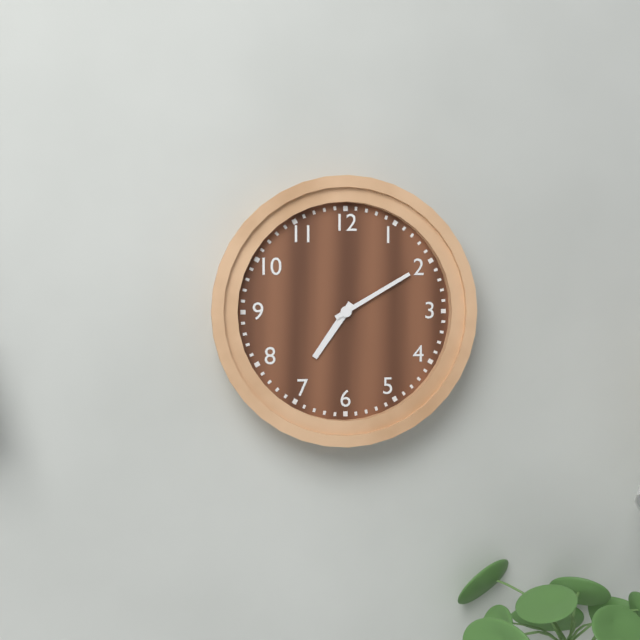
{"hour": 7, "minute": 10}
